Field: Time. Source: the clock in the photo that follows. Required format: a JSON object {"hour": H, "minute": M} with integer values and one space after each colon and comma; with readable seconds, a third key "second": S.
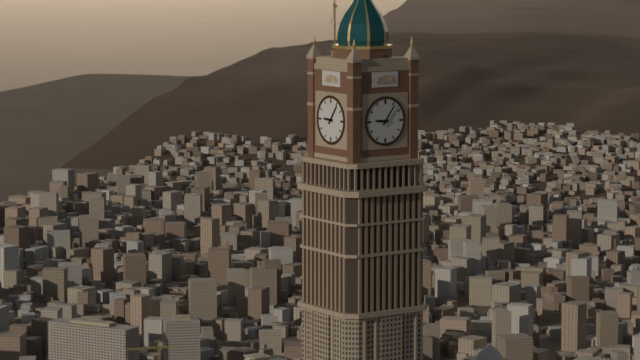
{"hour": 9, "minute": 6}
